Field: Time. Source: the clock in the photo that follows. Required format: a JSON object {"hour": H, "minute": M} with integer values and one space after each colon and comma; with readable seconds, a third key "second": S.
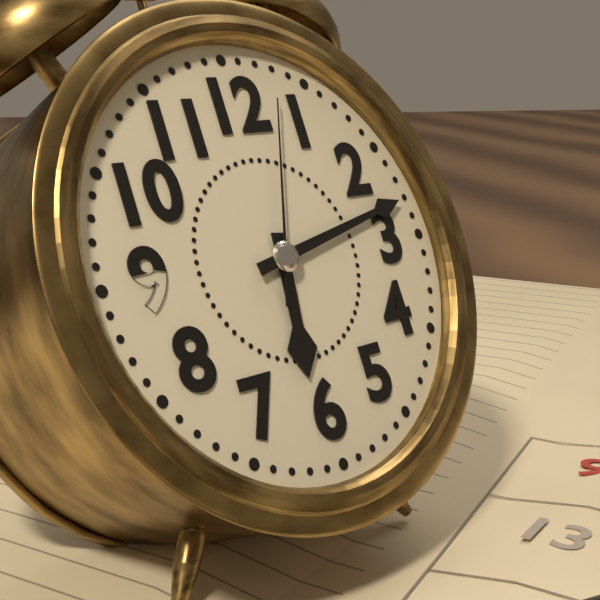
{"hour": 6, "minute": 13, "second": 3}
